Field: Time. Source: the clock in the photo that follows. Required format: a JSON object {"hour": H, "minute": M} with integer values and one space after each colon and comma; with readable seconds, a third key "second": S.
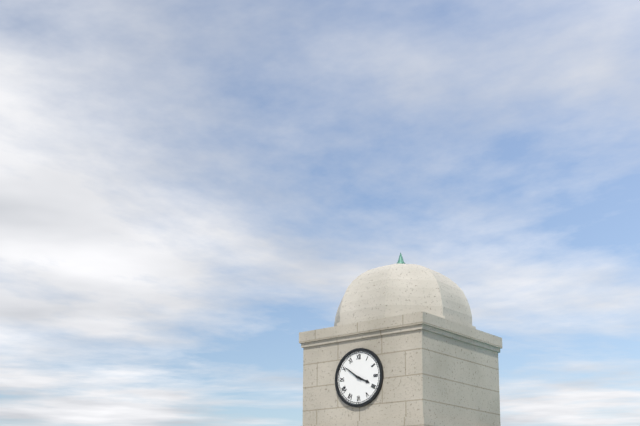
{"hour": 3, "minute": 51}
